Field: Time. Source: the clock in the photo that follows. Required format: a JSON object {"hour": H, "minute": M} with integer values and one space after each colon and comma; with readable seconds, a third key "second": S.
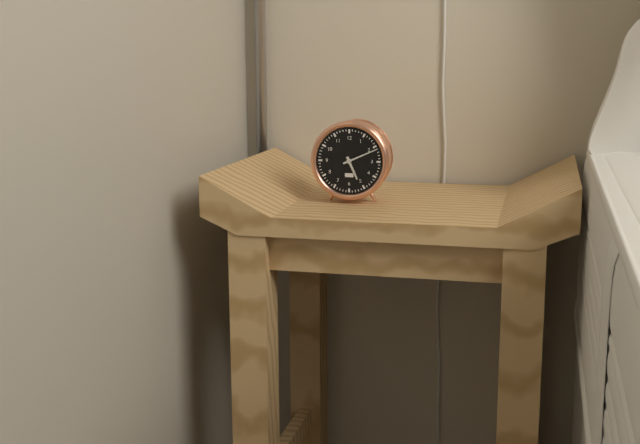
{"hour": 5, "minute": 11}
